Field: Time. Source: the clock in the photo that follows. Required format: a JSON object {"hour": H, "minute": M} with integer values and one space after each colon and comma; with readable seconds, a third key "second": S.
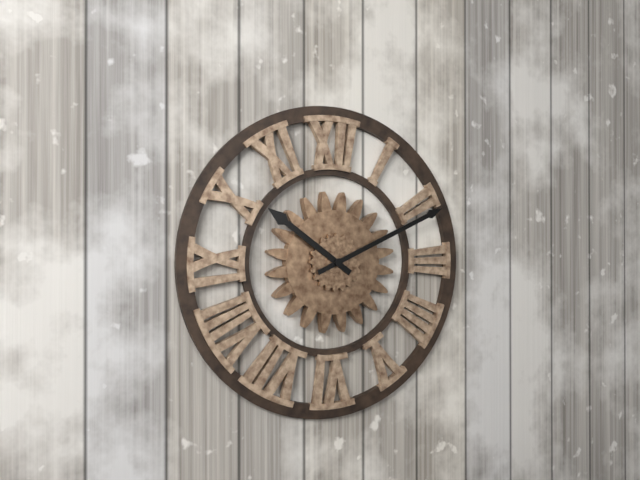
{"hour": 10, "minute": 11}
